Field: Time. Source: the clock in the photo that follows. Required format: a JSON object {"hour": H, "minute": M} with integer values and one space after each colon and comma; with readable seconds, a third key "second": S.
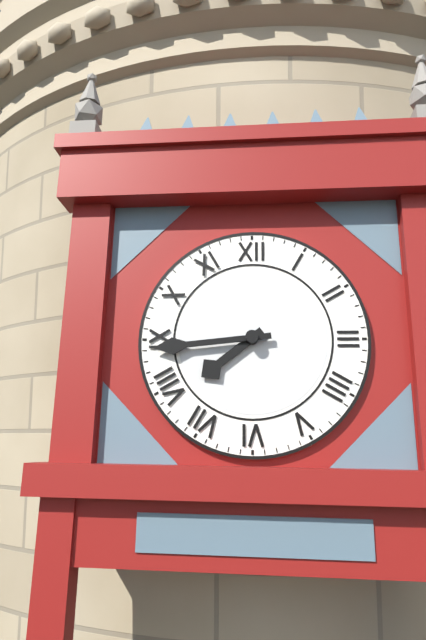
{"hour": 7, "minute": 44}
